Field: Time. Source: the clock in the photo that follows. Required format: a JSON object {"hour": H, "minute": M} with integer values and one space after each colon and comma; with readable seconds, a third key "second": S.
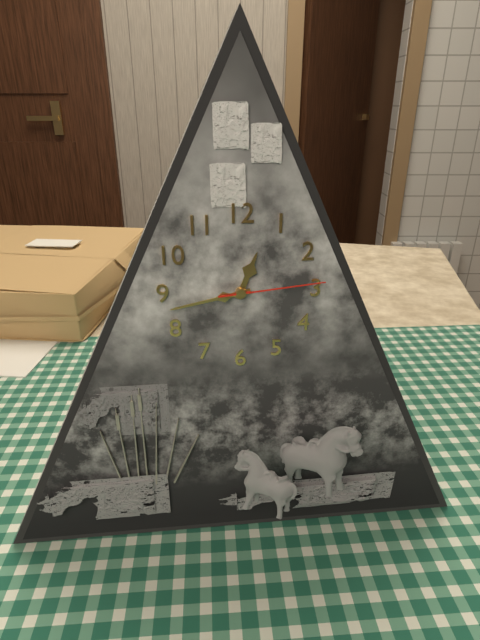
{"hour": 12, "minute": 43, "second": 14}
